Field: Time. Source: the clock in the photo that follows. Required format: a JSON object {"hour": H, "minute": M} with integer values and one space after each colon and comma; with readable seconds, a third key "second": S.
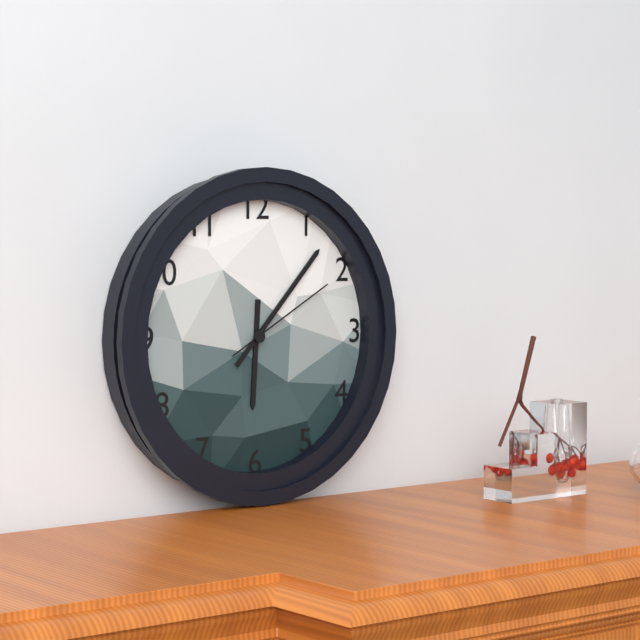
{"hour": 6, "minute": 7, "second": 10}
